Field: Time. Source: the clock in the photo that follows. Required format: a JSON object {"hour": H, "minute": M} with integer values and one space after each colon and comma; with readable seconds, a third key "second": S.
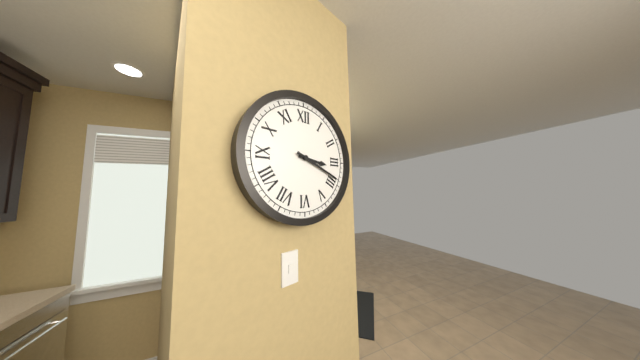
{"hour": 3, "minute": 19}
